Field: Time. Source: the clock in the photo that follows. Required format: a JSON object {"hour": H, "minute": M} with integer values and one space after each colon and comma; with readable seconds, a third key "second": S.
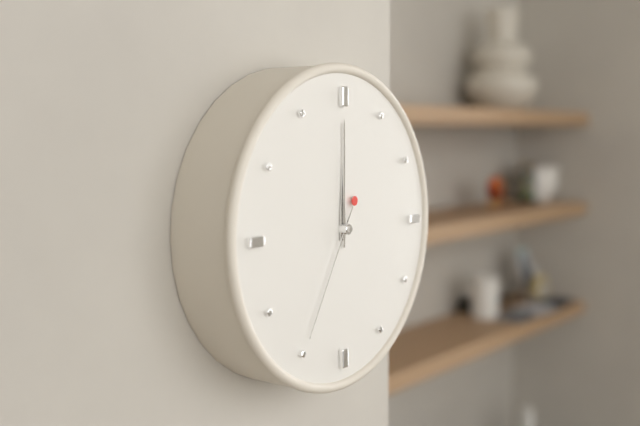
{"hour": 12, "minute": 0, "second": 35}
